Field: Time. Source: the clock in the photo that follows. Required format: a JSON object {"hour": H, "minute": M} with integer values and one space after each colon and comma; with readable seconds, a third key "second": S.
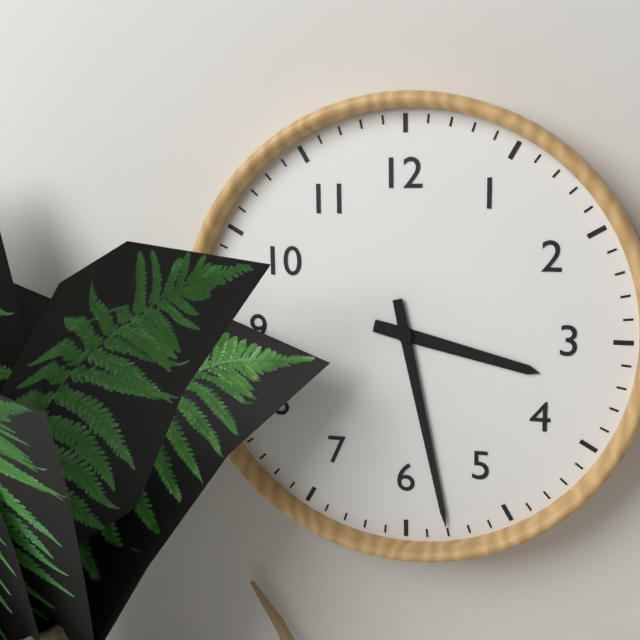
{"hour": 3, "minute": 28}
